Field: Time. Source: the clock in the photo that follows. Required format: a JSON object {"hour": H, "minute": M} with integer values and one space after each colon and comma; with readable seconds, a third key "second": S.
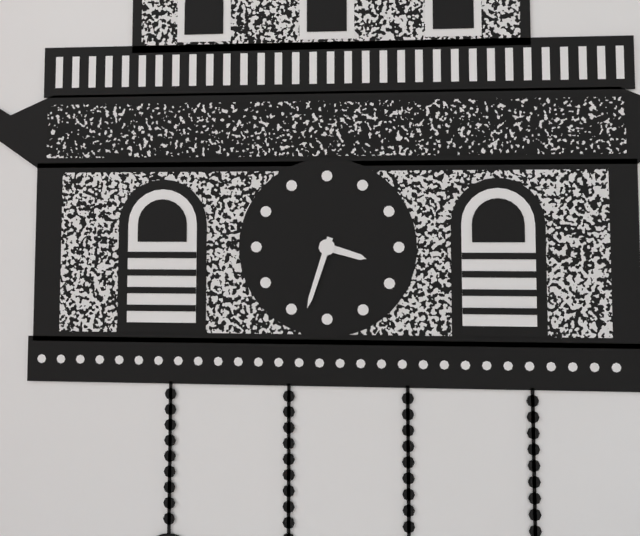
{"hour": 3, "minute": 33}
